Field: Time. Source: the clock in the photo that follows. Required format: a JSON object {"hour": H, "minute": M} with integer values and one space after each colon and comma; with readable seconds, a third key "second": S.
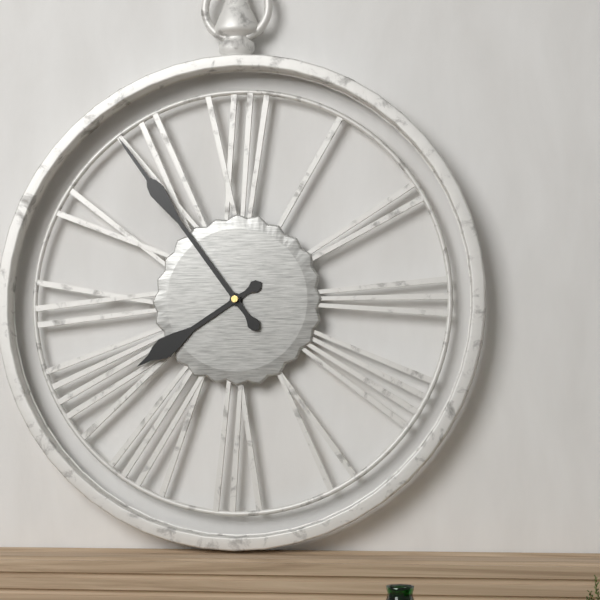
{"hour": 7, "minute": 54}
